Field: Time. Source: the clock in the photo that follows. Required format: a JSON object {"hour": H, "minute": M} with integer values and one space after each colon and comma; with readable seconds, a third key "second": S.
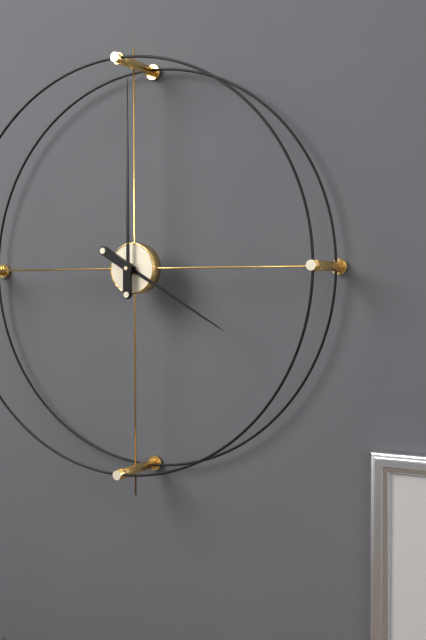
{"hour": 4, "minute": 0}
